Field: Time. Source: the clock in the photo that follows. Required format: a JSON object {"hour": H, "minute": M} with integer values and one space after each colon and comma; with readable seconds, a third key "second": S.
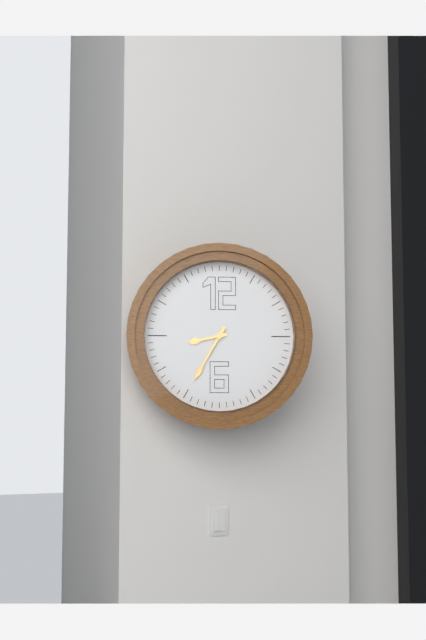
{"hour": 8, "minute": 35}
